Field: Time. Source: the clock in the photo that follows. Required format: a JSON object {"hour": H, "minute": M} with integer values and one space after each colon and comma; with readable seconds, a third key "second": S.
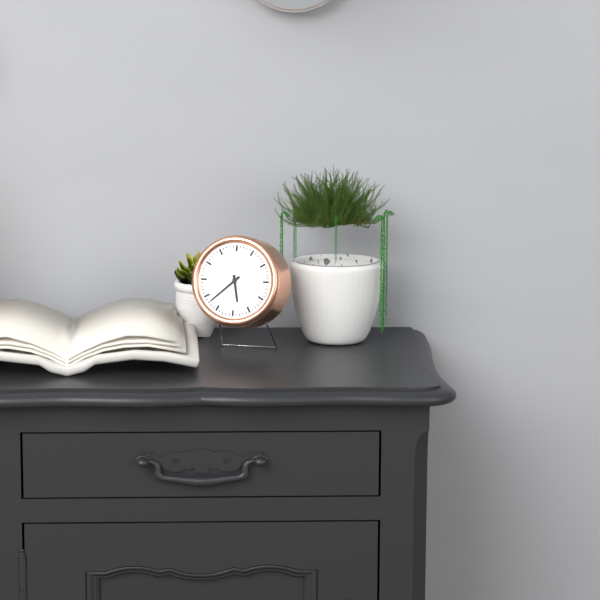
{"hour": 5, "minute": 38}
